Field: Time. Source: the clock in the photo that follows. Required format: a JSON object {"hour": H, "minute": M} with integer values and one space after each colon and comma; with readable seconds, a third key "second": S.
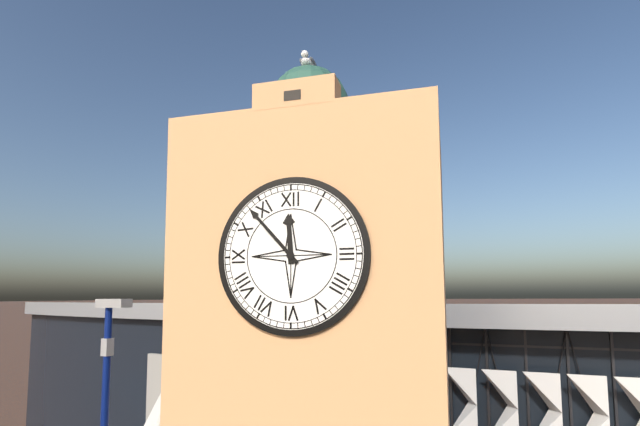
{"hour": 11, "minute": 53}
